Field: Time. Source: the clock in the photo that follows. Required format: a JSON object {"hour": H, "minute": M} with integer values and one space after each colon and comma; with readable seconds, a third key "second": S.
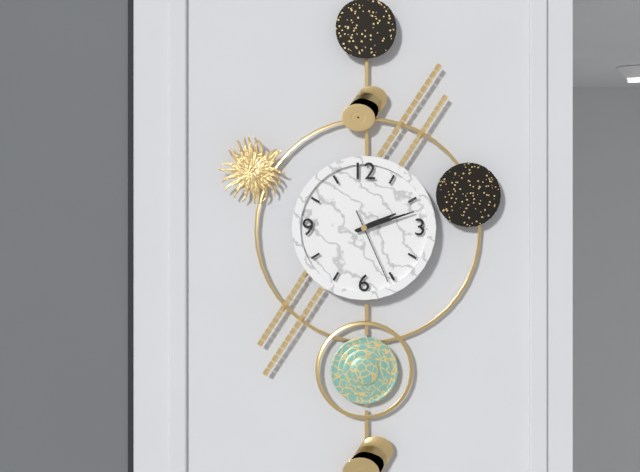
{"hour": 2, "minute": 12, "second": 26}
